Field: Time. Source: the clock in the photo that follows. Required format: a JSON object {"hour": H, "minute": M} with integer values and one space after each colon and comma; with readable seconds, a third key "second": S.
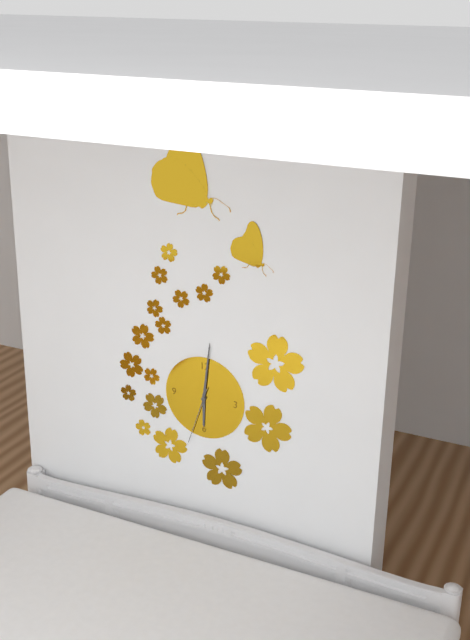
{"hour": 6, "minute": 1, "second": 33}
